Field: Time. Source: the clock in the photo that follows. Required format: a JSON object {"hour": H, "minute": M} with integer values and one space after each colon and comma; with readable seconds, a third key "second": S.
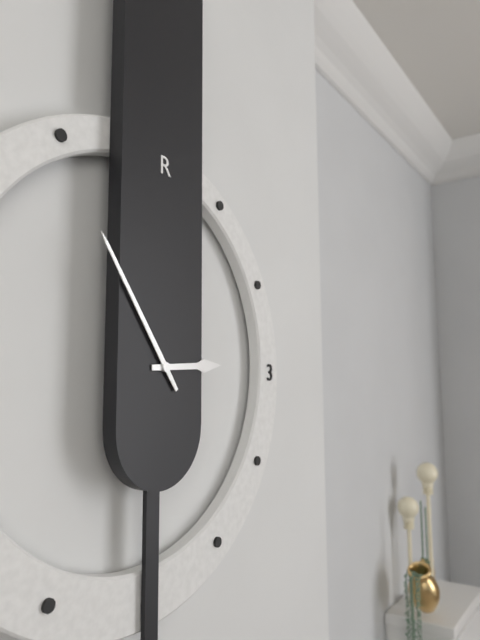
{"hour": 2, "minute": 54}
